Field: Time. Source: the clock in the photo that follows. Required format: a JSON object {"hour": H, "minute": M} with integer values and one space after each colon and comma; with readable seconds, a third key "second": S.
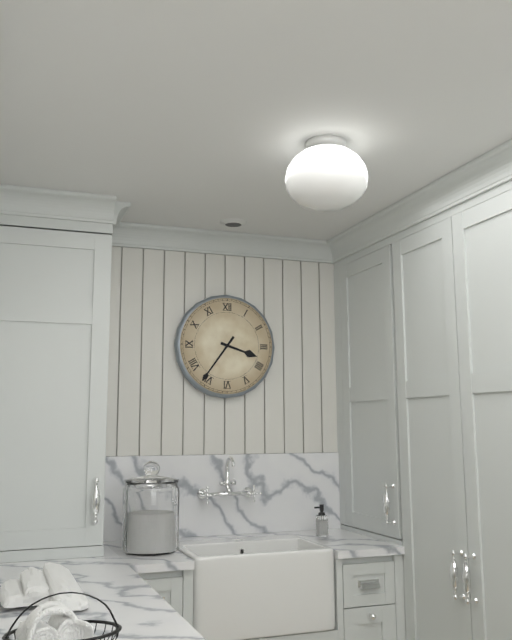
{"hour": 3, "minute": 36}
